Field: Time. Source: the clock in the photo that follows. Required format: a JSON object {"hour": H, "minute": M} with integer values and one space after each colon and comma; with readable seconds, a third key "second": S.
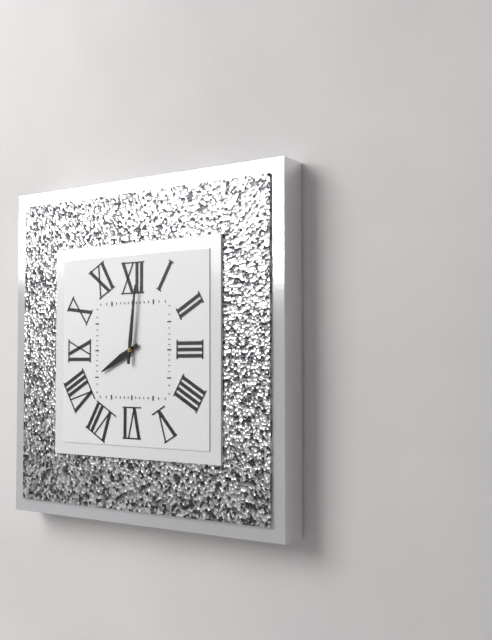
{"hour": 8, "minute": 1}
